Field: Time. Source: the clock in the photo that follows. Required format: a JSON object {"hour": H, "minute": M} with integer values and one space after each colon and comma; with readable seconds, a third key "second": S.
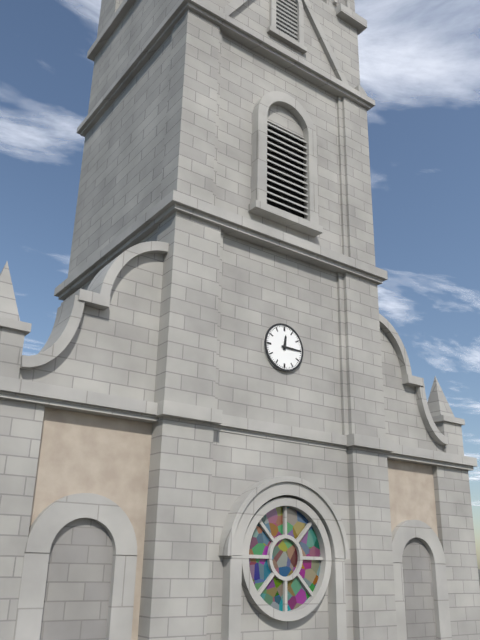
{"hour": 12, "minute": 15}
